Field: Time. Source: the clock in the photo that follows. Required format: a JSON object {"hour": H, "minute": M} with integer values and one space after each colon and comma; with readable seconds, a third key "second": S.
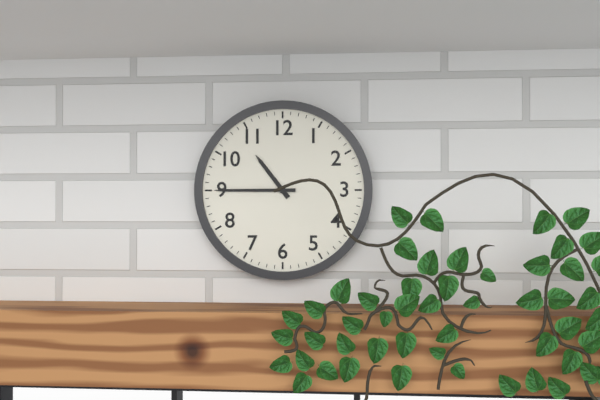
{"hour": 10, "minute": 45}
